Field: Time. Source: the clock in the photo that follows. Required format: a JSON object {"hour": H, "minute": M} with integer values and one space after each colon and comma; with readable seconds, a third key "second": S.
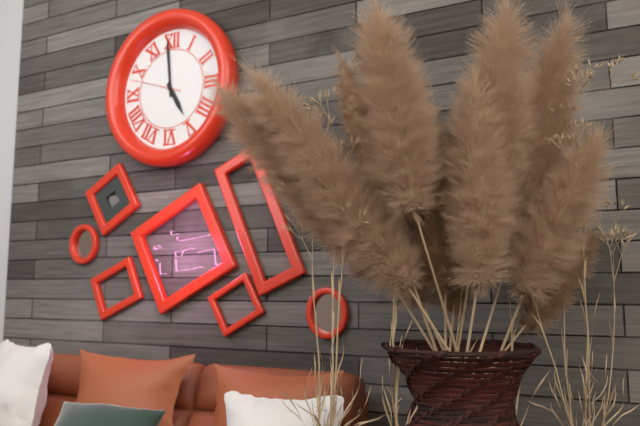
{"hour": 4, "minute": 59, "second": 48}
